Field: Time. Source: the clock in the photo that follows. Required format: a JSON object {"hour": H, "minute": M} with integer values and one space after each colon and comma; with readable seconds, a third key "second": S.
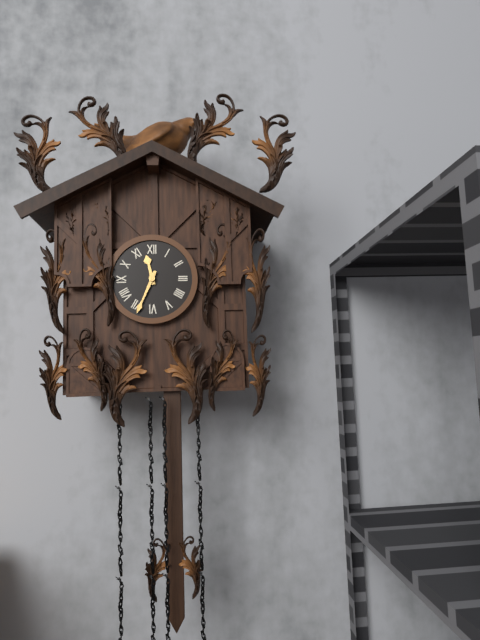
{"hour": 11, "minute": 34}
